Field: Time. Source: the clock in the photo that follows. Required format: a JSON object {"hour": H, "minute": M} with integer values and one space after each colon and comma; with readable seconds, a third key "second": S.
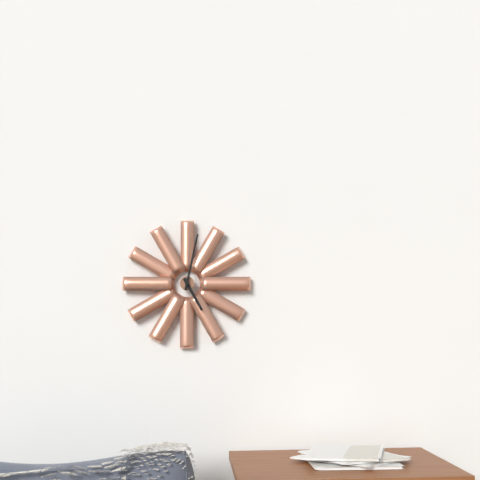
{"hour": 5, "minute": 2}
